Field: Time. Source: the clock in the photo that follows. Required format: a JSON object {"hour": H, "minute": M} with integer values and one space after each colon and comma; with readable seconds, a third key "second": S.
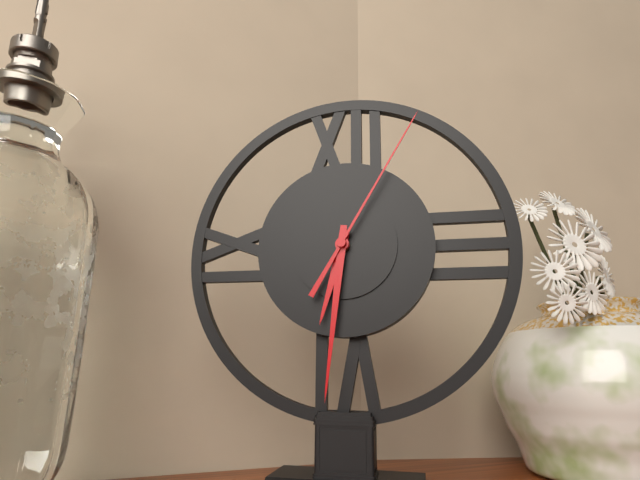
{"hour": 6, "minute": 31, "second": 5}
